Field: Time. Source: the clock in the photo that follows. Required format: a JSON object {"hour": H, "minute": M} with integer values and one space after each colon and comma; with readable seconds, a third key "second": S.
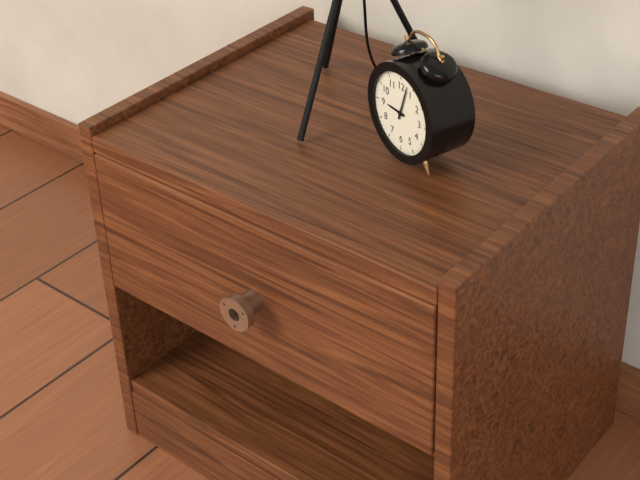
{"hour": 9, "minute": 3}
